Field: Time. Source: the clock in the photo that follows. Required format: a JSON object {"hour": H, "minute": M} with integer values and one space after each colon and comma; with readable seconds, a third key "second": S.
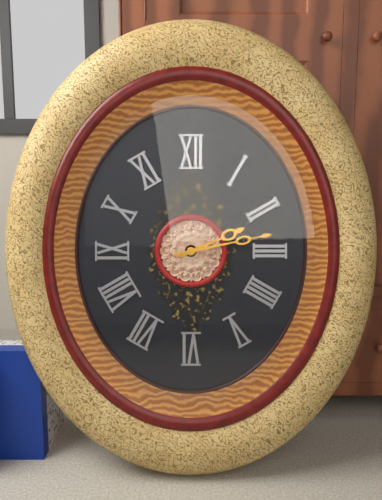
{"hour": 2, "minute": 13}
